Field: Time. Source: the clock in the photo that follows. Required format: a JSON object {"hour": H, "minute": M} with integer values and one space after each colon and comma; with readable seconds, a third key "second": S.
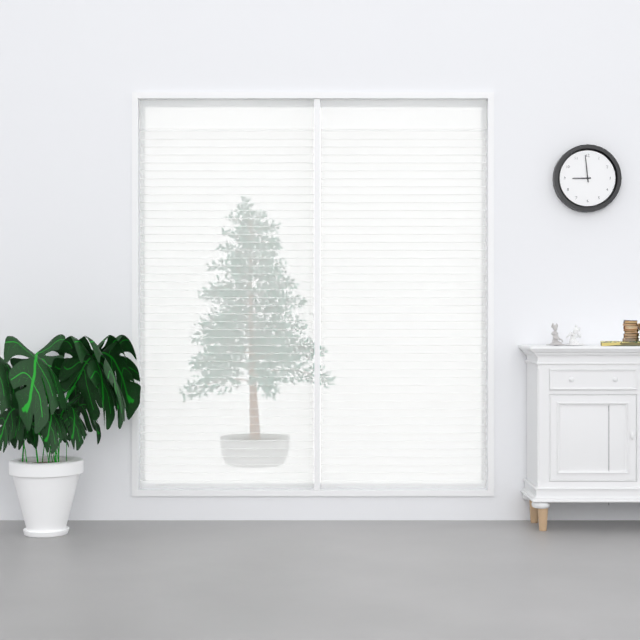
{"hour": 8, "minute": 59}
